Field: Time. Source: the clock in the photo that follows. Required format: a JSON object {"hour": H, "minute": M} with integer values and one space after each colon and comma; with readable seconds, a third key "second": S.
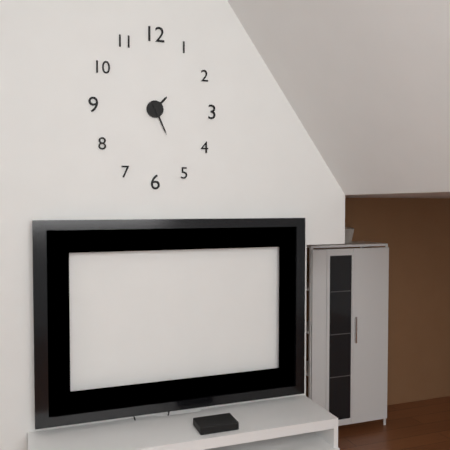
{"hour": 1, "minute": 26}
